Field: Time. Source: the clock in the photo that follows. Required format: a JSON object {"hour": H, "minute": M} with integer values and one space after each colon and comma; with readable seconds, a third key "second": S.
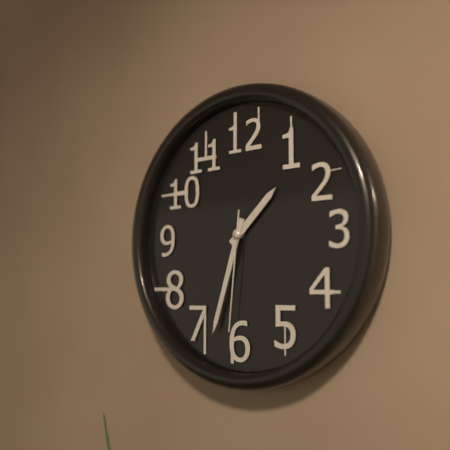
{"hour": 1, "minute": 33, "second": 31}
